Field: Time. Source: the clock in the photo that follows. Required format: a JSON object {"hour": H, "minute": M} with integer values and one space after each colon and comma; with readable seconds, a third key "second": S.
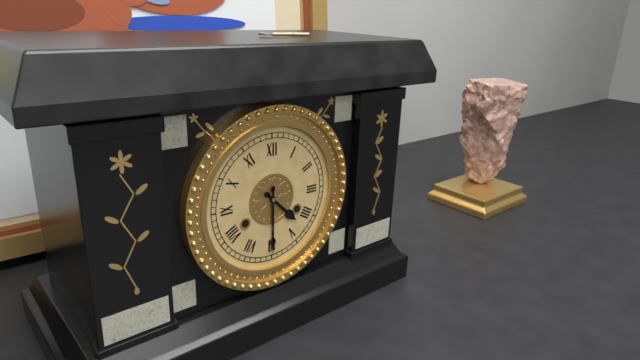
{"hour": 4, "minute": 30}
